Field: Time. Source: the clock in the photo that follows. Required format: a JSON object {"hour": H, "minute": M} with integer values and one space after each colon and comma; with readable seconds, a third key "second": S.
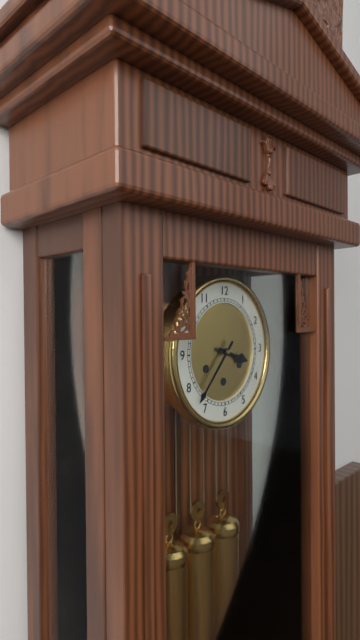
{"hour": 3, "minute": 37}
